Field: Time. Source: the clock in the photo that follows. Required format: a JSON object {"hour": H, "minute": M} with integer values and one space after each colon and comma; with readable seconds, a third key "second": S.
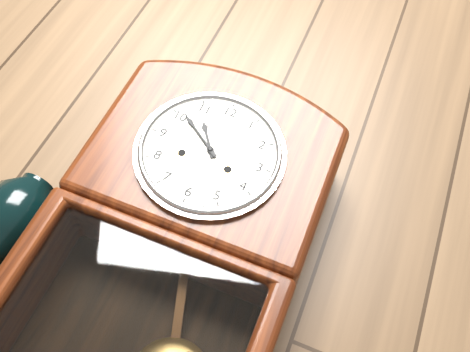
{"hour": 10, "minute": 51}
